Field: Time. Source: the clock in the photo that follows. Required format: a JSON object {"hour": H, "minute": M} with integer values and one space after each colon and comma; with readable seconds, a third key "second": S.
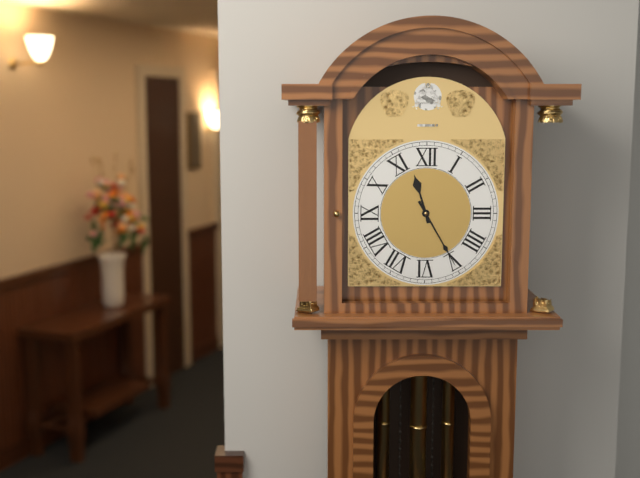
{"hour": 11, "minute": 25}
